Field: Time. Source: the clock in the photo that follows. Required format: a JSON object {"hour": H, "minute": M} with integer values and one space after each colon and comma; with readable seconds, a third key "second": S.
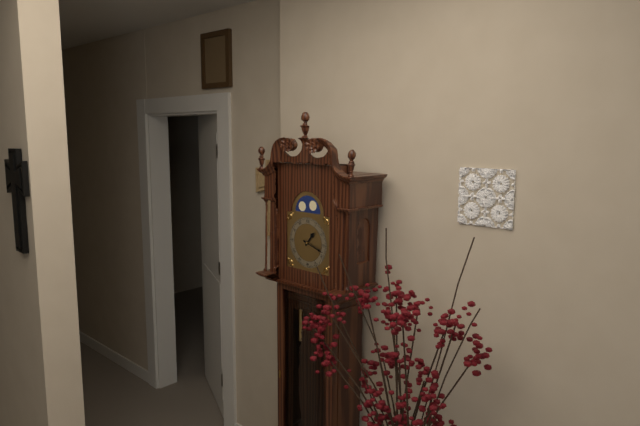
{"hour": 1, "minute": 18}
